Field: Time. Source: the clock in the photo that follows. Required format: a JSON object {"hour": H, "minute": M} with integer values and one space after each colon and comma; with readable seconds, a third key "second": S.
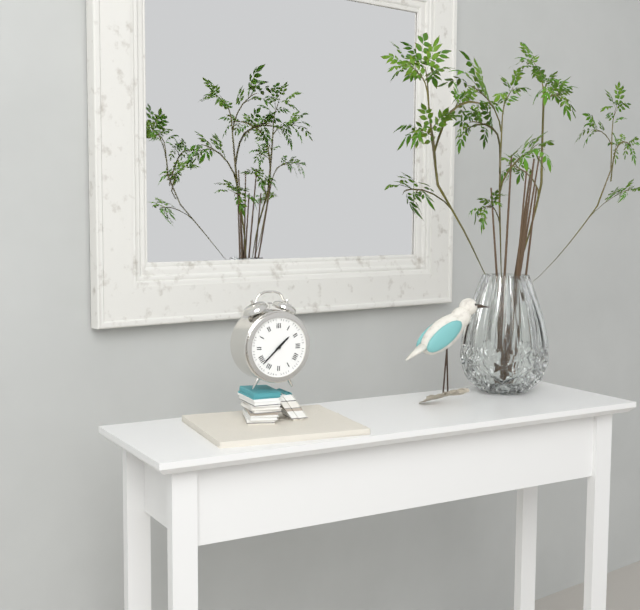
{"hour": 1, "minute": 38}
